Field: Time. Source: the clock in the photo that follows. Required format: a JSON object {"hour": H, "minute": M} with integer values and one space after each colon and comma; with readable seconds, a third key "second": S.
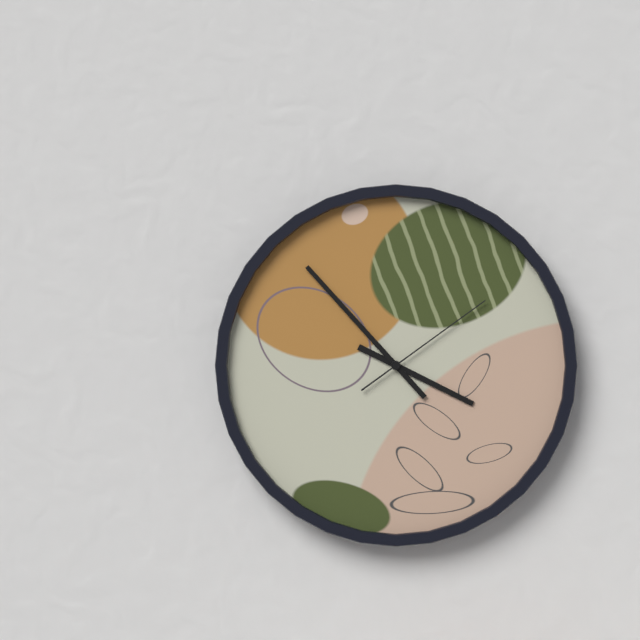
{"hour": 3, "minute": 53, "second": 9}
